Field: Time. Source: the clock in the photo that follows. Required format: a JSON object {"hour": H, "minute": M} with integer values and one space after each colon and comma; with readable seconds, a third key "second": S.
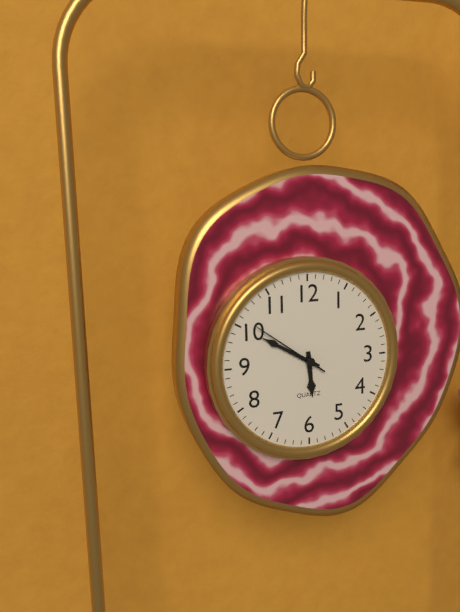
{"hour": 5, "minute": 50, "second": 51}
